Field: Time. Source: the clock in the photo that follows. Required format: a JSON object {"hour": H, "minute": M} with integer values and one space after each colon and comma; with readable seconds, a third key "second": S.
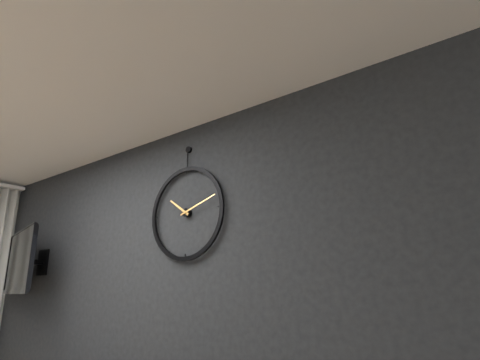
{"hour": 10, "minute": 12}
